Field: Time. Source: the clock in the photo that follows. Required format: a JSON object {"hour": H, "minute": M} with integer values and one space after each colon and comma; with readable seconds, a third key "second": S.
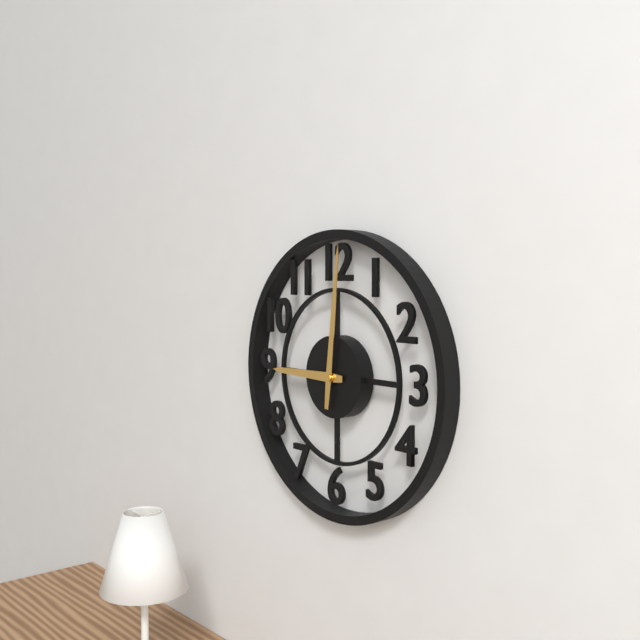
{"hour": 9, "minute": 1}
